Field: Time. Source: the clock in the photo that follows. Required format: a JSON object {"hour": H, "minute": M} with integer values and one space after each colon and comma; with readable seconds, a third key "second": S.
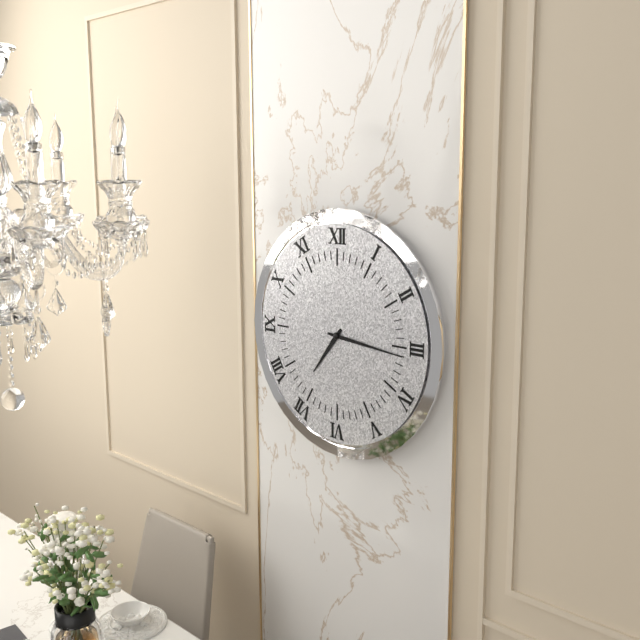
{"hour": 7, "minute": 16}
